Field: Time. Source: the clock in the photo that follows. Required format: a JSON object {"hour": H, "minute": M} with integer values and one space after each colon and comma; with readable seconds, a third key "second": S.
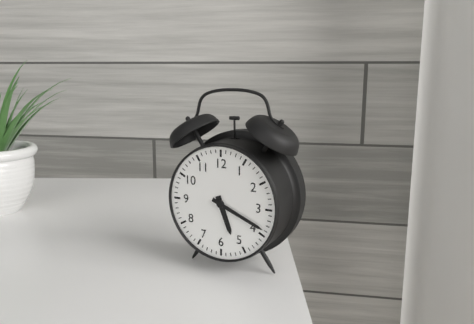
{"hour": 5, "minute": 19}
